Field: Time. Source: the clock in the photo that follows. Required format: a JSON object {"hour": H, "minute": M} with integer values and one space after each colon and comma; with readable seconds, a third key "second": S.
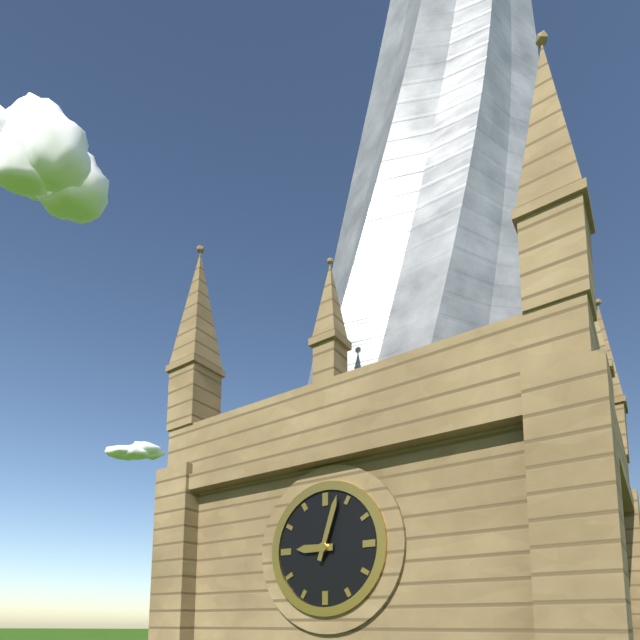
{"hour": 9, "minute": 3}
